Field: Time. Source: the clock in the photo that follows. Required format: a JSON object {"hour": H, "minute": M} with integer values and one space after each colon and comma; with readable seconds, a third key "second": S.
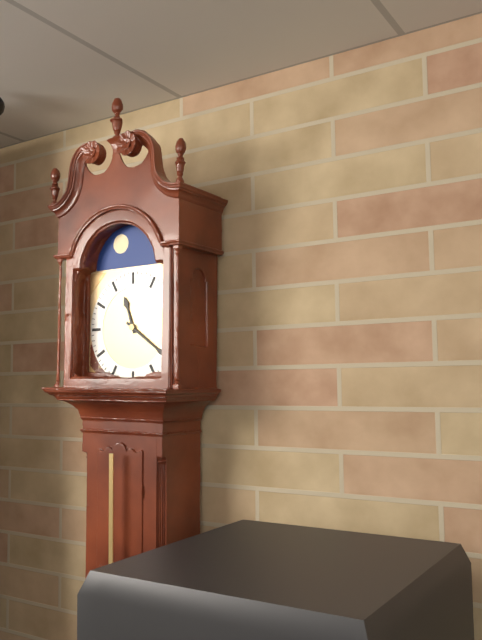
{"hour": 11, "minute": 21}
